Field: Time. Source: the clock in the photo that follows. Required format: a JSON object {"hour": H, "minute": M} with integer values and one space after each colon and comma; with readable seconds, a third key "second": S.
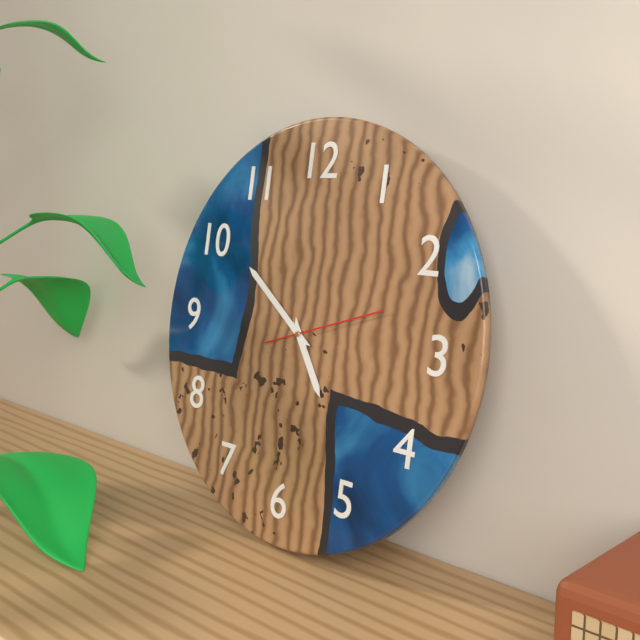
{"hour": 4, "minute": 51, "second": 12}
